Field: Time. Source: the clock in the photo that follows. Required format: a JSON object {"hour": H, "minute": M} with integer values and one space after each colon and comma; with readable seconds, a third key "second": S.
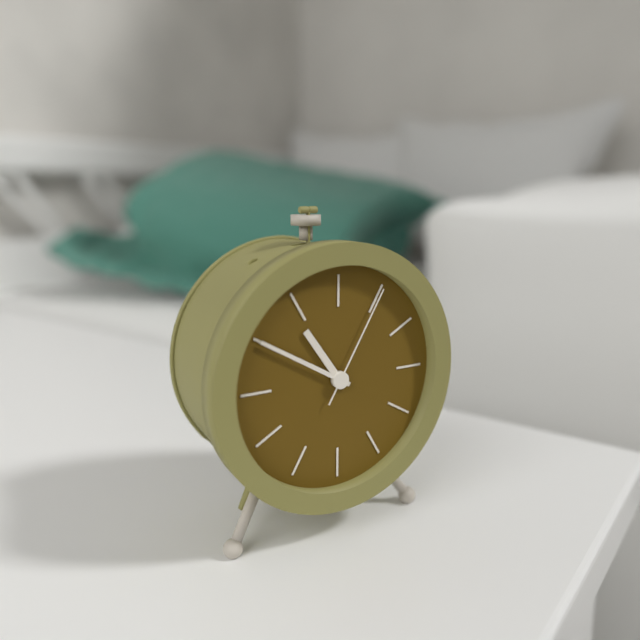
{"hour": 10, "minute": 50, "second": 5}
